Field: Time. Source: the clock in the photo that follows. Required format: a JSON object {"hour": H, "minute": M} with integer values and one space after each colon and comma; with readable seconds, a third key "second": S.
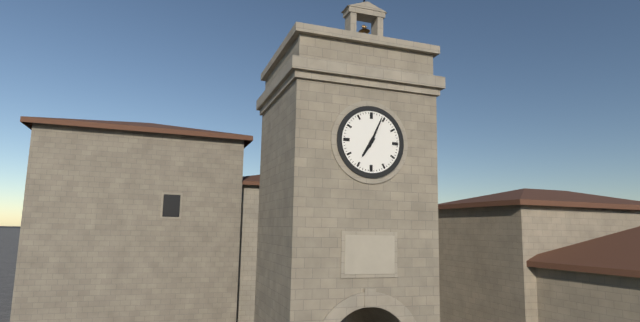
{"hour": 7, "minute": 4}
